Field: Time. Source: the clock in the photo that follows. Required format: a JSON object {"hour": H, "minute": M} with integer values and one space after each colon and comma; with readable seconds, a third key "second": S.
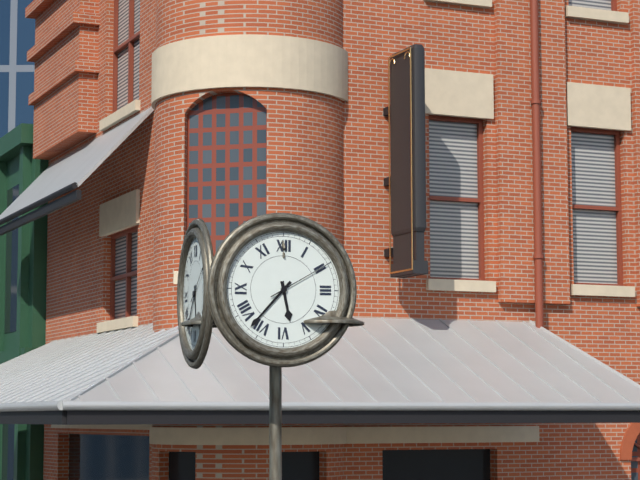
{"hour": 5, "minute": 37, "second": 10}
